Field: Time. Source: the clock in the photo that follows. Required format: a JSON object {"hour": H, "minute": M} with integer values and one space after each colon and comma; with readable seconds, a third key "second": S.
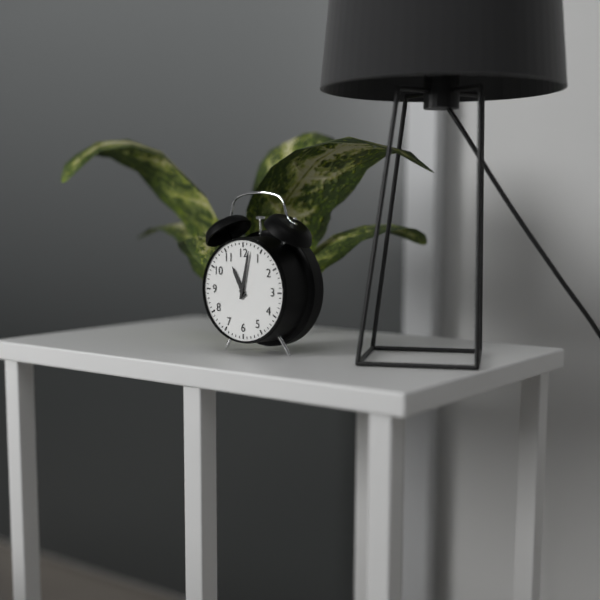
{"hour": 11, "minute": 2}
